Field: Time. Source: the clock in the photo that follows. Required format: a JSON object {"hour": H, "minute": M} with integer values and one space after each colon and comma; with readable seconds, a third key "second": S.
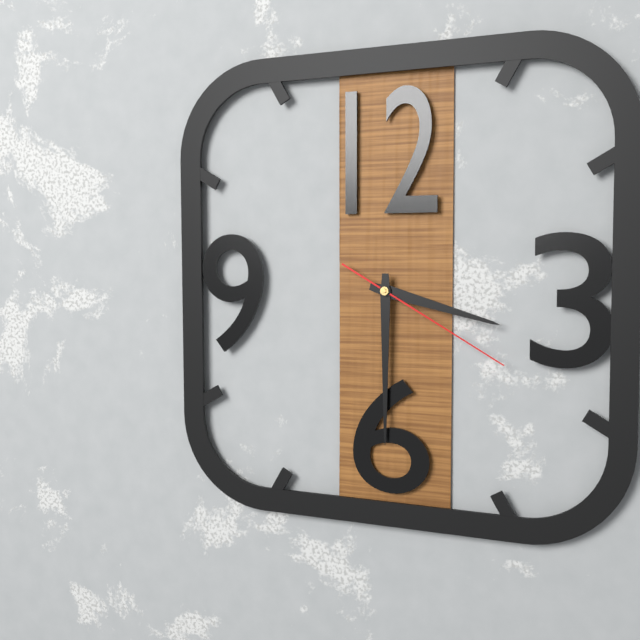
{"hour": 3, "minute": 30, "second": 20}
